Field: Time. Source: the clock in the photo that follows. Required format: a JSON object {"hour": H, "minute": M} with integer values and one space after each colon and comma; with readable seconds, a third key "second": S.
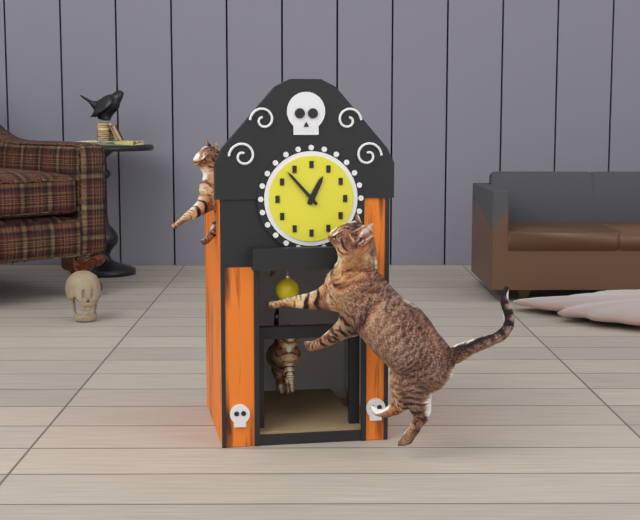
{"hour": 12, "minute": 53}
